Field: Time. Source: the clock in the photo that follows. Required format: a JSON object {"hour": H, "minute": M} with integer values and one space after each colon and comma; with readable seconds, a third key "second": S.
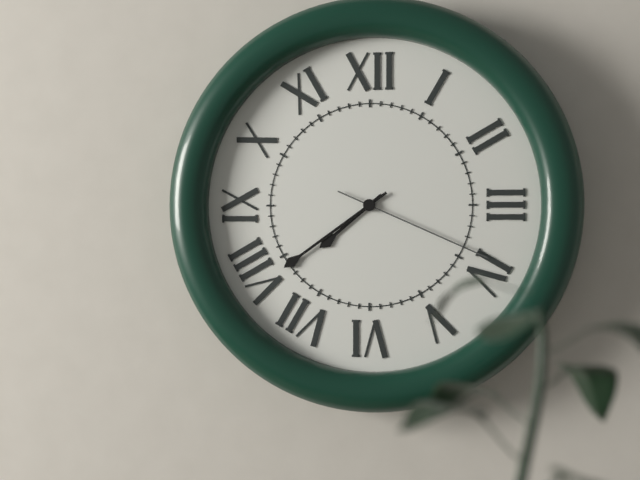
{"hour": 7, "minute": 39, "second": 19}
